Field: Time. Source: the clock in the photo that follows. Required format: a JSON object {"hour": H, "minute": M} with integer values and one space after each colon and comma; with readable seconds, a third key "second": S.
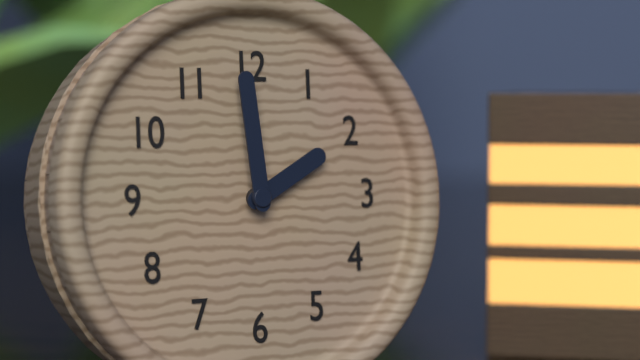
{"hour": 1, "minute": 59}
